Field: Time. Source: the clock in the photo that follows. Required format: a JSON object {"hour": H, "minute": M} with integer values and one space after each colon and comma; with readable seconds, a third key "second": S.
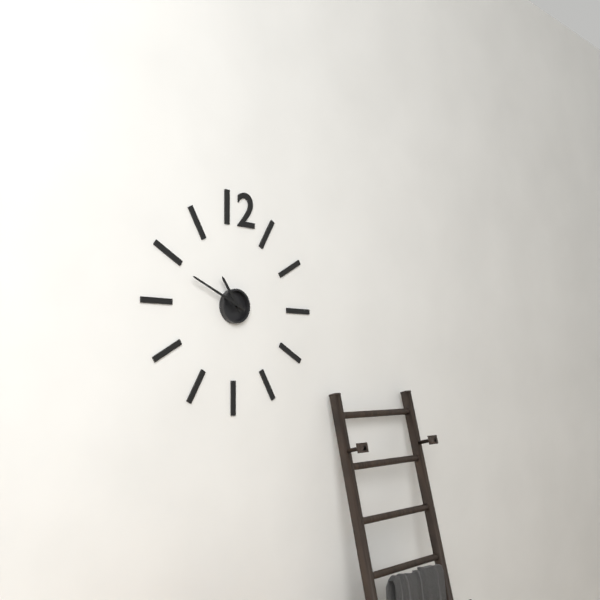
{"hour": 10, "minute": 49}
